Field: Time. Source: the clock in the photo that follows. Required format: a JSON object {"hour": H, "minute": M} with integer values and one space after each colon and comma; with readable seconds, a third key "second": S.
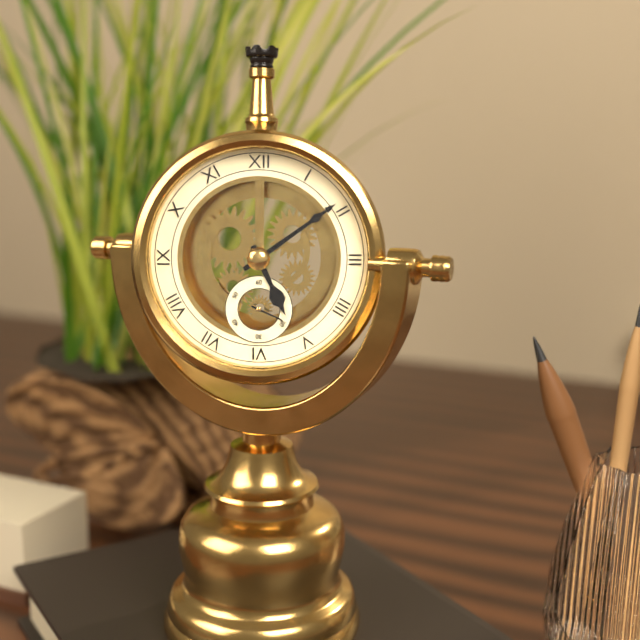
{"hour": 5, "minute": 9}
